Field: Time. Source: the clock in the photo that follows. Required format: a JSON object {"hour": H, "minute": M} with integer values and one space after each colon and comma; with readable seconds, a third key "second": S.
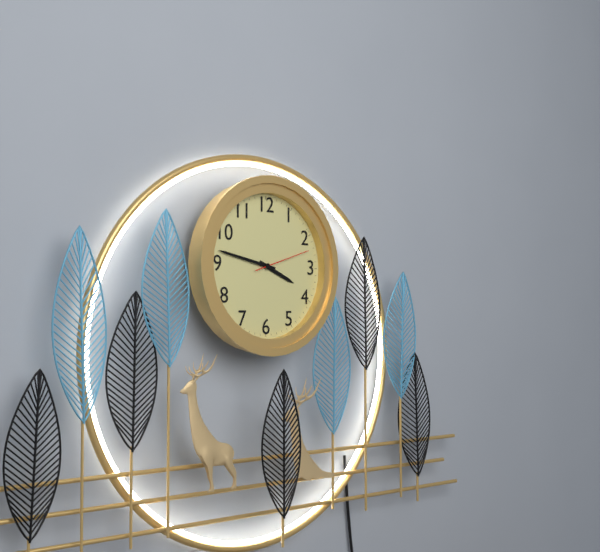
{"hour": 3, "minute": 47, "second": 12}
